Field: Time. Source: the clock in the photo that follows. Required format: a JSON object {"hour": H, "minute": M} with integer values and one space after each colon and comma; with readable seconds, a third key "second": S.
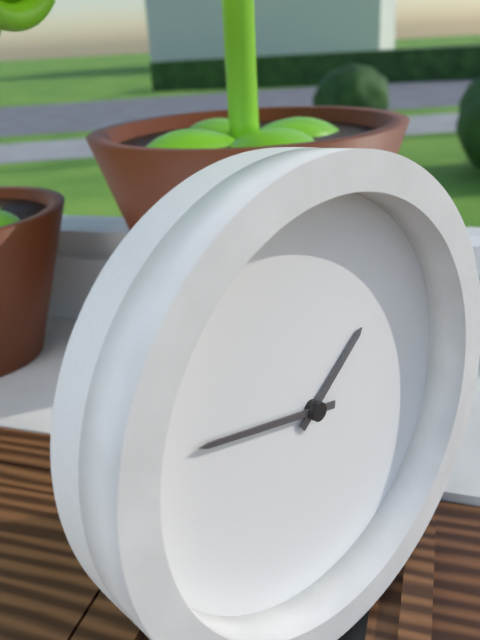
{"hour": 1, "minute": 47}
